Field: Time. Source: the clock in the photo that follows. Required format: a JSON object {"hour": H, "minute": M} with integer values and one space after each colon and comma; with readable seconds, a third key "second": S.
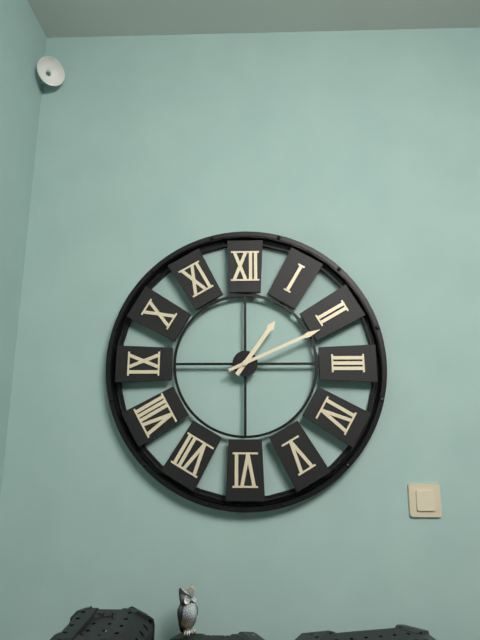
{"hour": 1, "minute": 11}
